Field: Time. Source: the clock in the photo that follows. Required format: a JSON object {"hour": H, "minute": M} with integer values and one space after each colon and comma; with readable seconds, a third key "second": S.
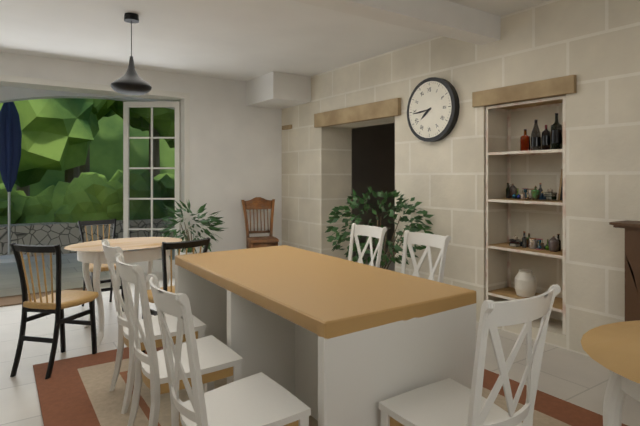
{"hour": 7, "minute": 44}
